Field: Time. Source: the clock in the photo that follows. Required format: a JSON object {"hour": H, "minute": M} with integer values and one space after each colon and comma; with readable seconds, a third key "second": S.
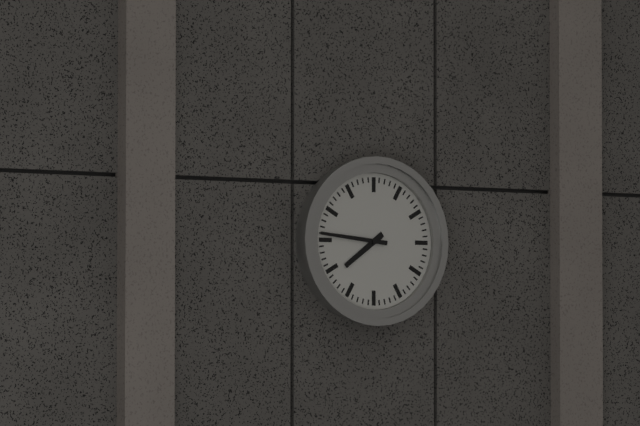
{"hour": 7, "minute": 46}
